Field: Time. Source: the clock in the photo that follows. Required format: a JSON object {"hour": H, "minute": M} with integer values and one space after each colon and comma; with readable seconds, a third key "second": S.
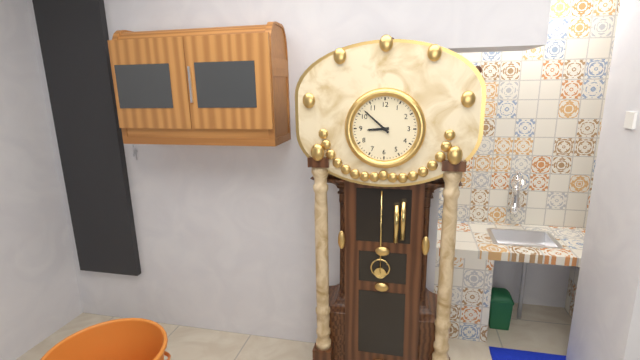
{"hour": 8, "minute": 52}
